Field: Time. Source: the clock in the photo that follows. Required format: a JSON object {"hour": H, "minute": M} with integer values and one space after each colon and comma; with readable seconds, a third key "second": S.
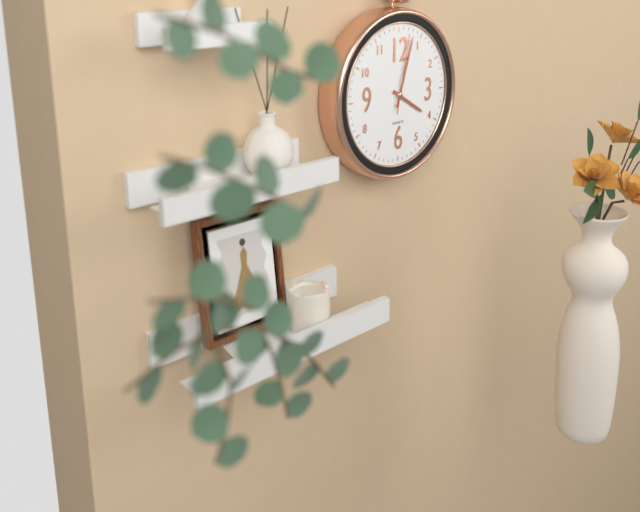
{"hour": 4, "minute": 3, "second": 2}
